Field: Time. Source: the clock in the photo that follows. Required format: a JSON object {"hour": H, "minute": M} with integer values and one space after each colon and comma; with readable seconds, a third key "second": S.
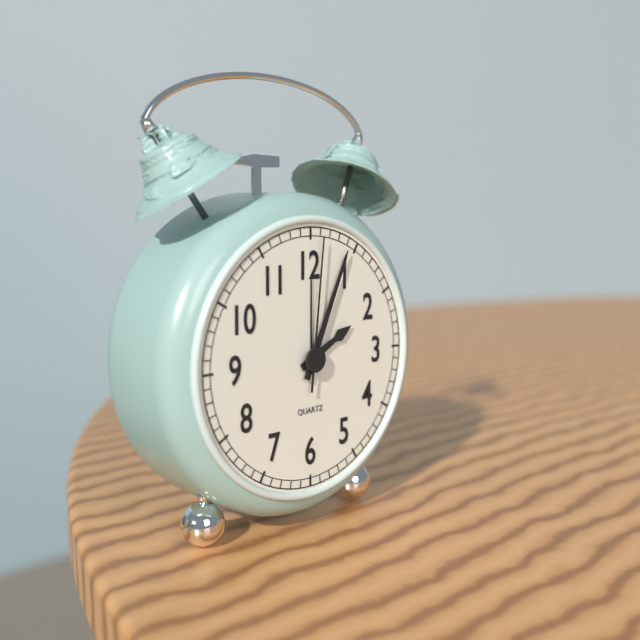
{"hour": 2, "minute": 4, "second": 1}
